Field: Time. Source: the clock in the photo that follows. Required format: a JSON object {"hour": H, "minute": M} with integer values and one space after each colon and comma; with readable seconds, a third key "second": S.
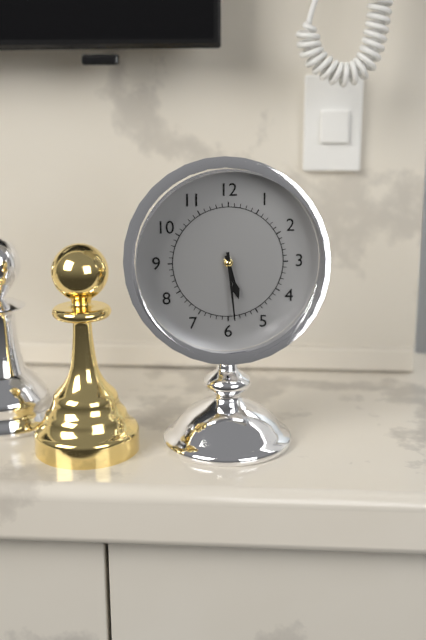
{"hour": 5, "minute": 29}
